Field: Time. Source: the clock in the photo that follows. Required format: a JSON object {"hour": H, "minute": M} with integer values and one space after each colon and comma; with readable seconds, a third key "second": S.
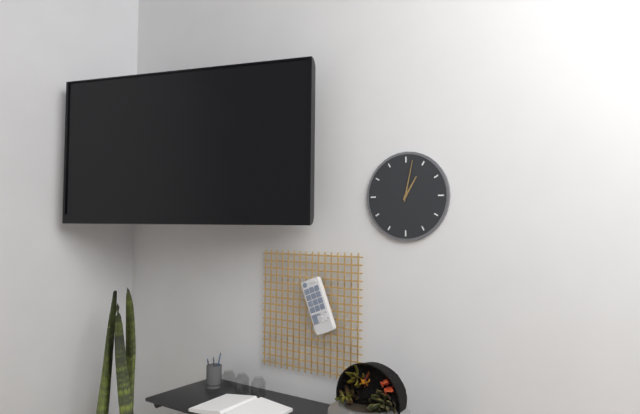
{"hour": 1, "minute": 2}
